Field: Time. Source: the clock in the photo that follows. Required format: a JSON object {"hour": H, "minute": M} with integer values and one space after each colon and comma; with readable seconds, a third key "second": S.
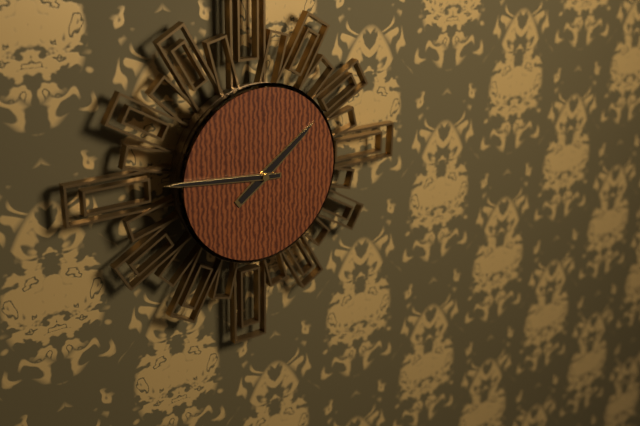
{"hour": 1, "minute": 46}
